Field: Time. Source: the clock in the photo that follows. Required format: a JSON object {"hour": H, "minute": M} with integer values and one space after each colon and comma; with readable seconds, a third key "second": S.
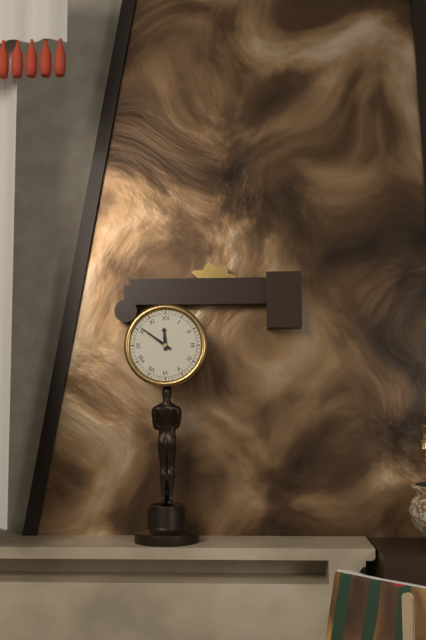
{"hour": 11, "minute": 51}
